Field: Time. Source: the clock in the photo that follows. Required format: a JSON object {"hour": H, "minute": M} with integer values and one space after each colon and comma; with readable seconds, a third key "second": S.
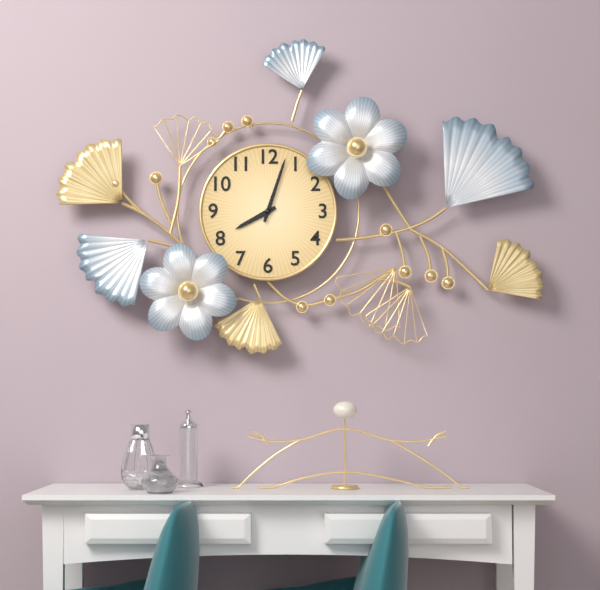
{"hour": 8, "minute": 3}
